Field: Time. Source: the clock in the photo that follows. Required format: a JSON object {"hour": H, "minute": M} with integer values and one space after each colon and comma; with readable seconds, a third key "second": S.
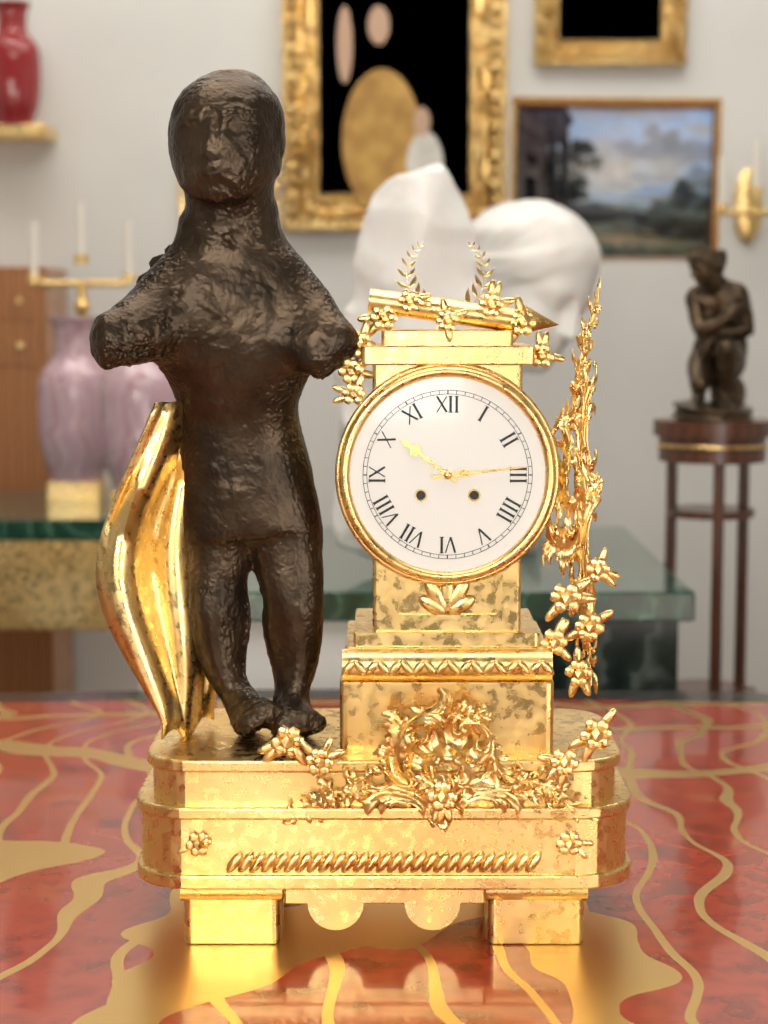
{"hour": 10, "minute": 14}
